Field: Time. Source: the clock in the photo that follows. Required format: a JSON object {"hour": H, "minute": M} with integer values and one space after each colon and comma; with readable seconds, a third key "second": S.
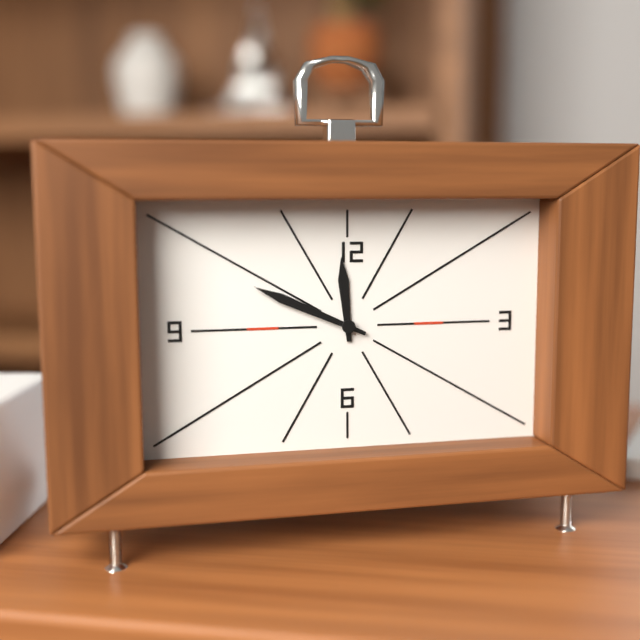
{"hour": 11, "minute": 49}
